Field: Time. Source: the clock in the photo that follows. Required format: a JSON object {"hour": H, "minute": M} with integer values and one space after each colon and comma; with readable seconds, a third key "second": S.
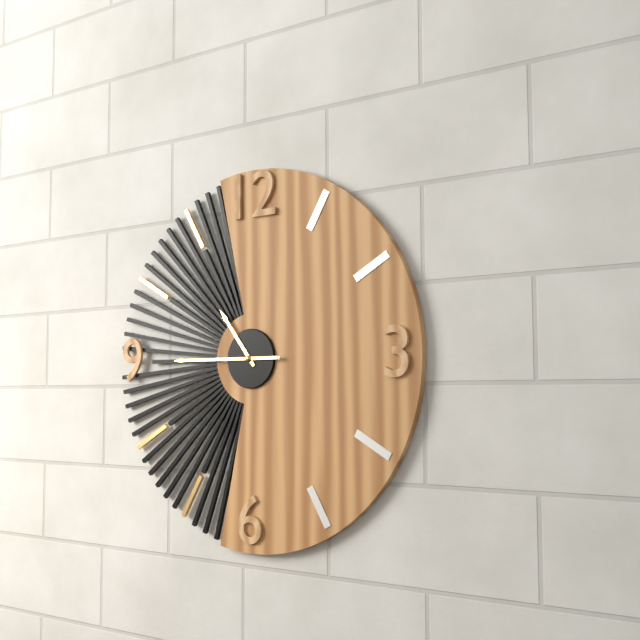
{"hour": 10, "minute": 45}
